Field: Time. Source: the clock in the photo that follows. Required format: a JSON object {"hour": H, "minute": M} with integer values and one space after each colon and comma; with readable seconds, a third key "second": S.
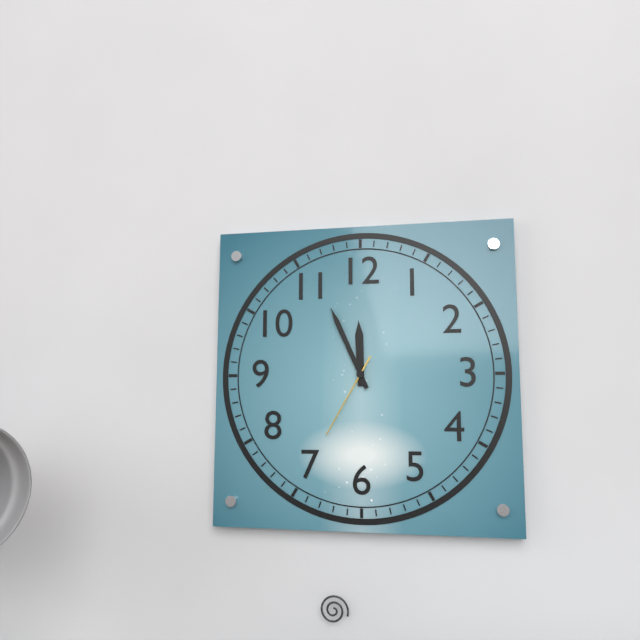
{"hour": 11, "minute": 56, "second": 35}
